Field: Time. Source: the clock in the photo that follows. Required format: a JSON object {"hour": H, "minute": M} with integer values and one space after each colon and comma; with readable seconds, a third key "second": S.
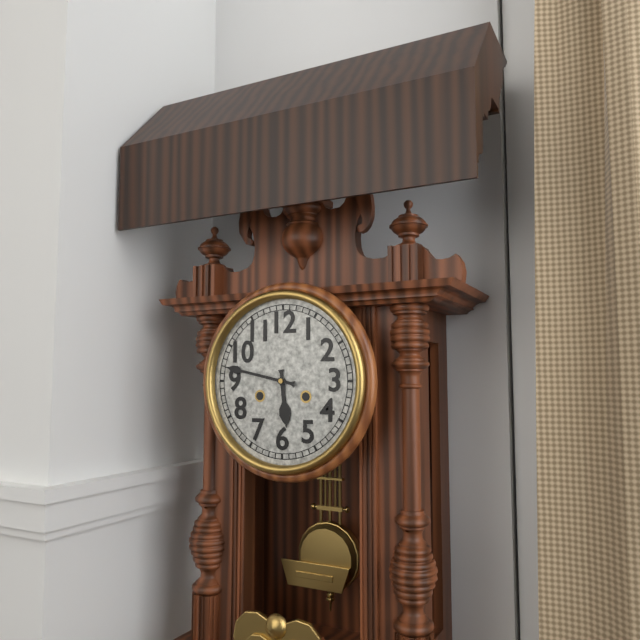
{"hour": 5, "minute": 47}
